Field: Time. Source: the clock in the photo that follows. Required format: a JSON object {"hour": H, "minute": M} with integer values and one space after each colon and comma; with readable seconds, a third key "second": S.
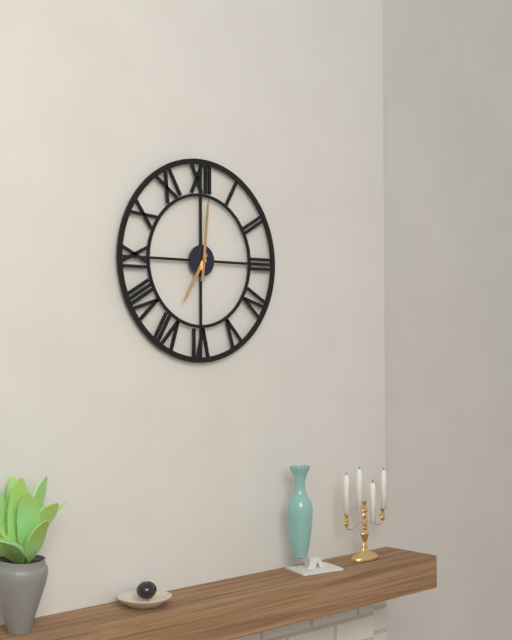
{"hour": 7, "minute": 1}
